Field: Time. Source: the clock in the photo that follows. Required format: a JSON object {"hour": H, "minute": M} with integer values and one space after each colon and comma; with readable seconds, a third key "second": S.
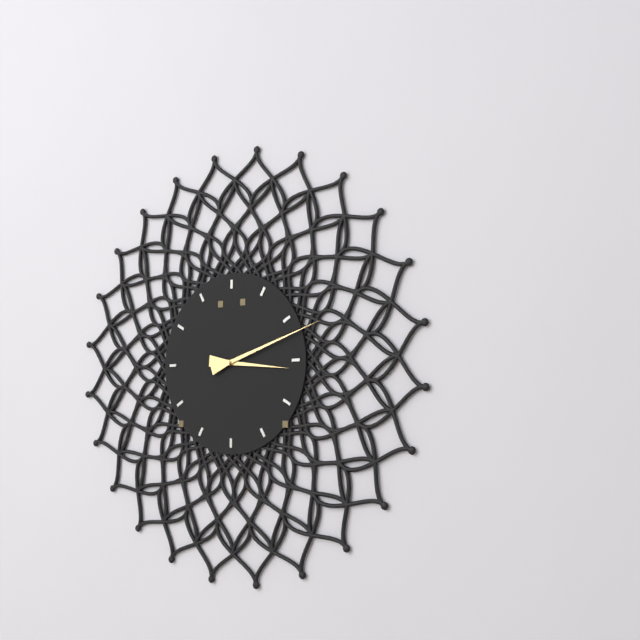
{"hour": 3, "minute": 12}
